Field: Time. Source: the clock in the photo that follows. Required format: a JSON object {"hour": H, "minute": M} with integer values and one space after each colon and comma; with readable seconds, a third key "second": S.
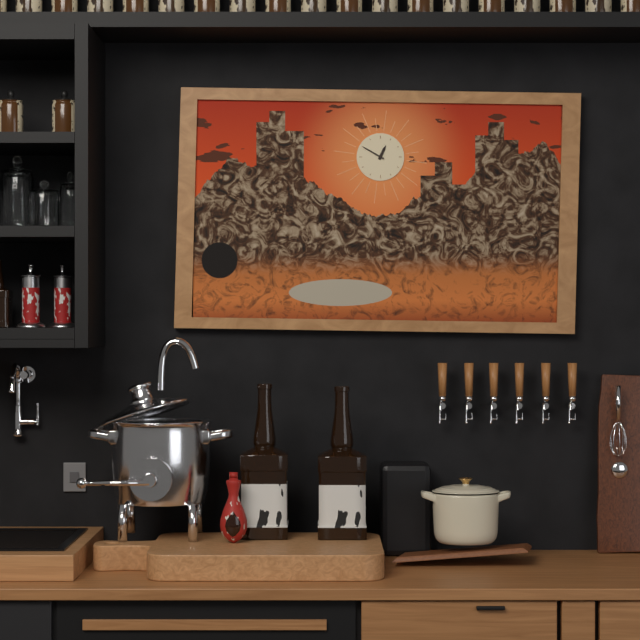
{"hour": 12, "minute": 50}
